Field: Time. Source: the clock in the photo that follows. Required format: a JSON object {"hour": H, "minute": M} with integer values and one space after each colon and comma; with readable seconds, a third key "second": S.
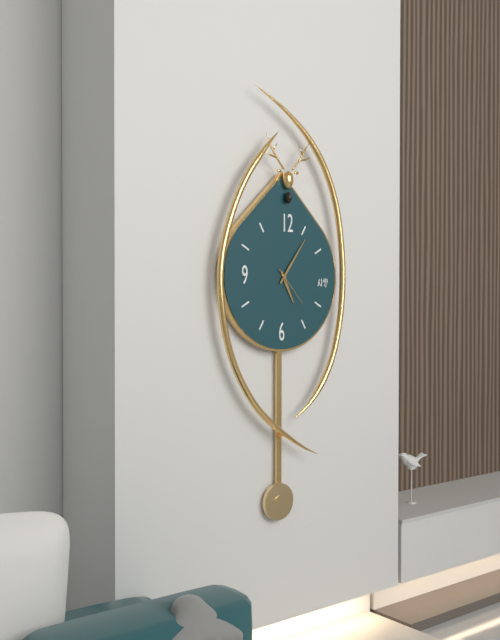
{"hour": 5, "minute": 6}
